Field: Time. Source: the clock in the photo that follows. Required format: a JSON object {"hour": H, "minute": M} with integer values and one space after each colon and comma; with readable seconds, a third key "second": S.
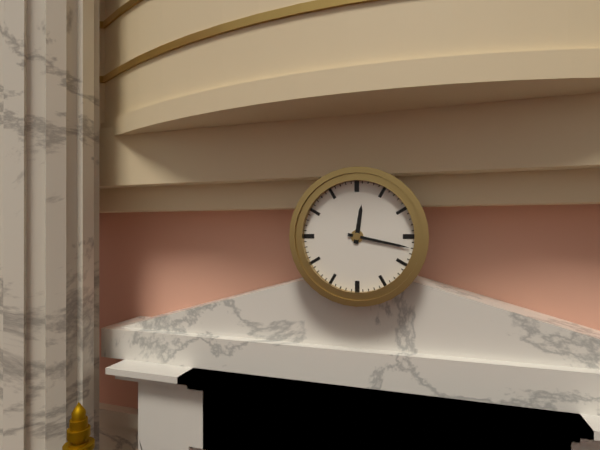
{"hour": 12, "minute": 17}
